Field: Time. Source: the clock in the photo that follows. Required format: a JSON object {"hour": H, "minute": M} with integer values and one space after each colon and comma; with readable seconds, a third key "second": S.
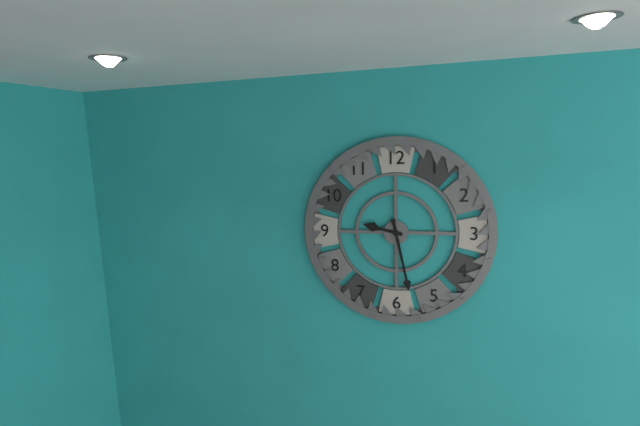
{"hour": 9, "minute": 28}
